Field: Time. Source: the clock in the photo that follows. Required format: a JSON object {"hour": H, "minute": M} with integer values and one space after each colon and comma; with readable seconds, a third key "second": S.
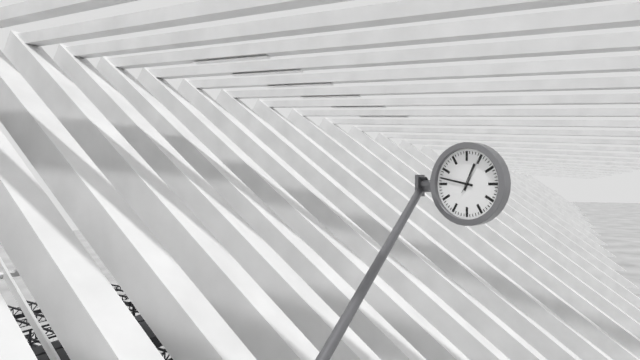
{"hour": 12, "minute": 47}
